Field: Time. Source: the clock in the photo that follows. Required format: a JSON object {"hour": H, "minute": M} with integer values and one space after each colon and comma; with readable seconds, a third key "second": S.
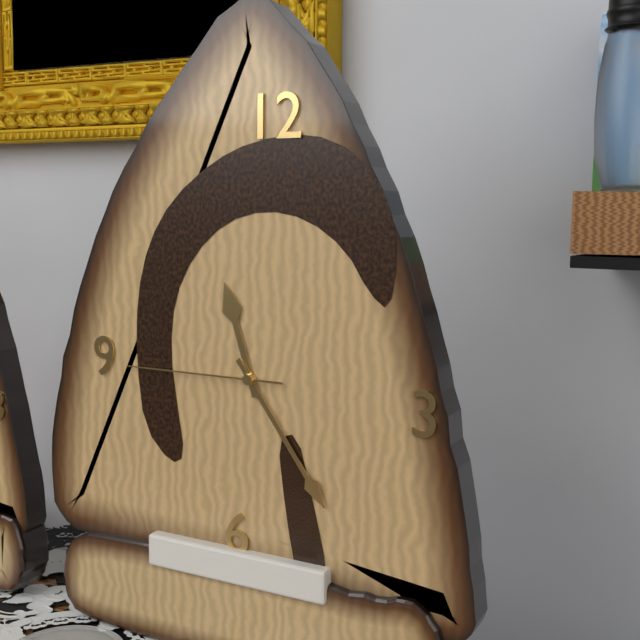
{"hour": 11, "minute": 24, "second": 45}
